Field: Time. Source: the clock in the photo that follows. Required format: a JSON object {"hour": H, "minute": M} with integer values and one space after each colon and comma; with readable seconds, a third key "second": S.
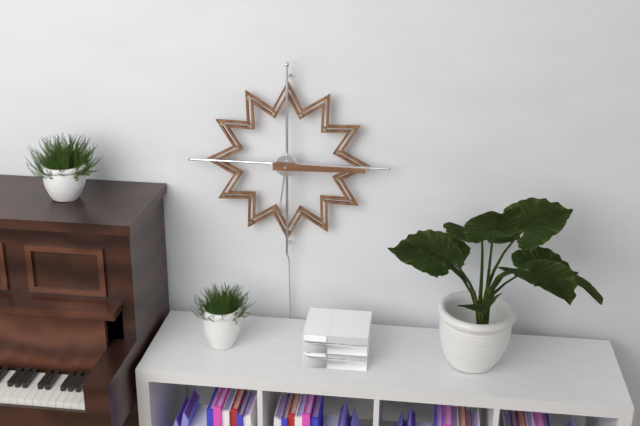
{"hour": 6, "minute": 15}
